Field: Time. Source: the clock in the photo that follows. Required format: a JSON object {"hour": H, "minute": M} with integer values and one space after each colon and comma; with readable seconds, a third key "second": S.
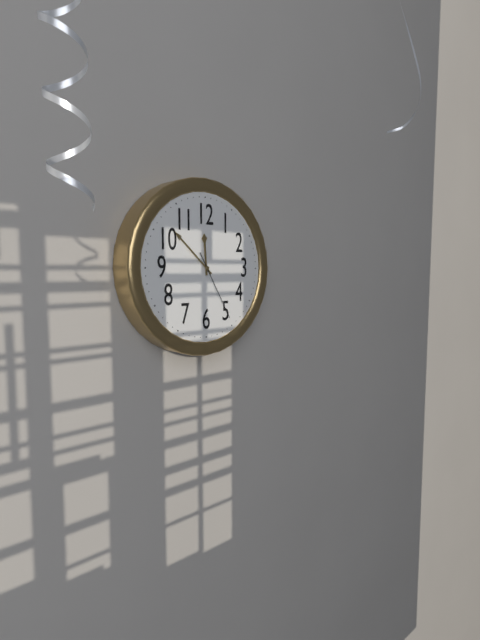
{"hour": 11, "minute": 52, "second": 25}
